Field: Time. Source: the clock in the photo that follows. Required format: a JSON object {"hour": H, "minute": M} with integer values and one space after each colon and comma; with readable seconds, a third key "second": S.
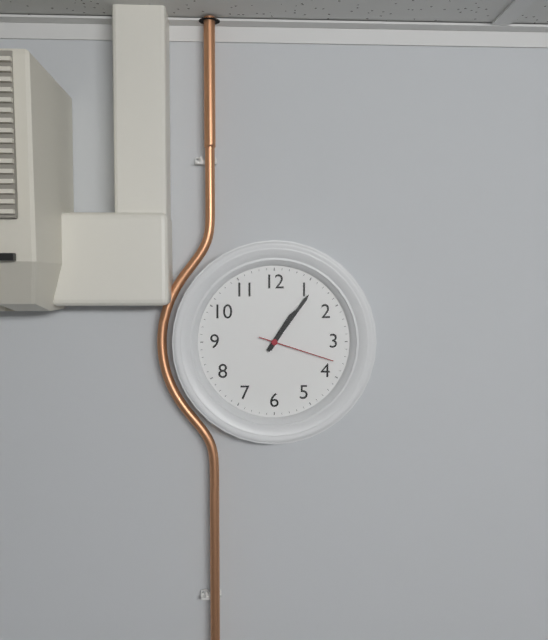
{"hour": 1, "minute": 6, "second": 18}
